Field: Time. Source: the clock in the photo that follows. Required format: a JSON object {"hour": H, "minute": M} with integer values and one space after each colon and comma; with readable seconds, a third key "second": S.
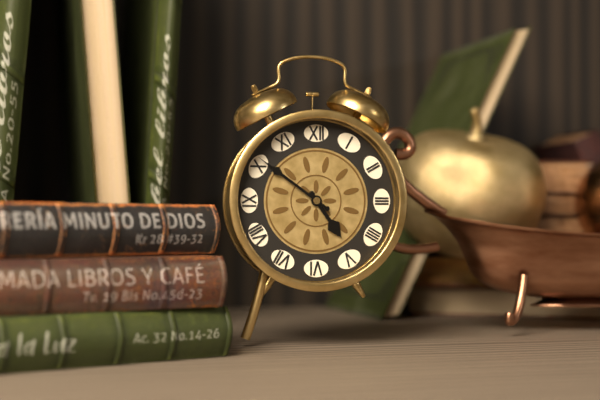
{"hour": 4, "minute": 51}
